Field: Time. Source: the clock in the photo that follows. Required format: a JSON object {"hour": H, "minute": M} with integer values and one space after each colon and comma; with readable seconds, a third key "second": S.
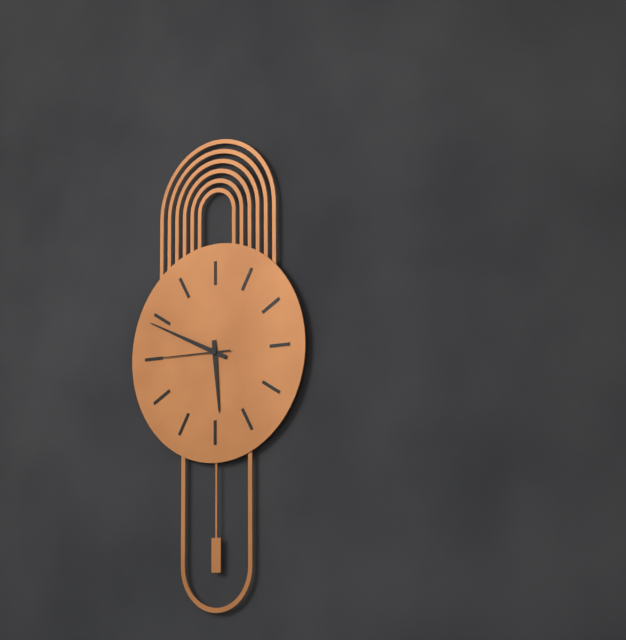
{"hour": 5, "minute": 49, "second": 45}
